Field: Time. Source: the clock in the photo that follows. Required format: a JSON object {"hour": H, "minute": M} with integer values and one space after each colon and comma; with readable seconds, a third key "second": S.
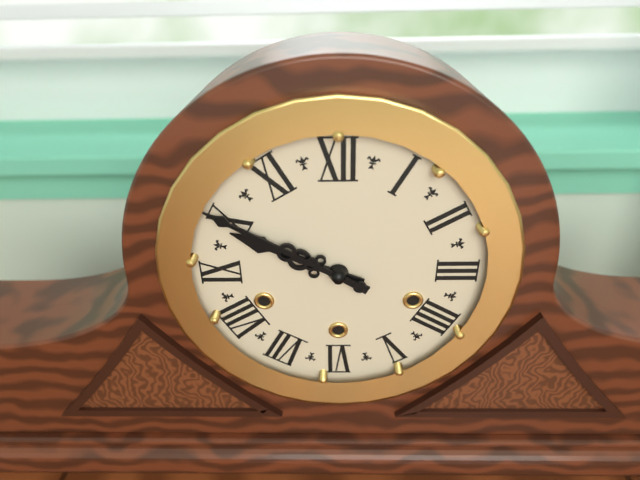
{"hour": 9, "minute": 50}
